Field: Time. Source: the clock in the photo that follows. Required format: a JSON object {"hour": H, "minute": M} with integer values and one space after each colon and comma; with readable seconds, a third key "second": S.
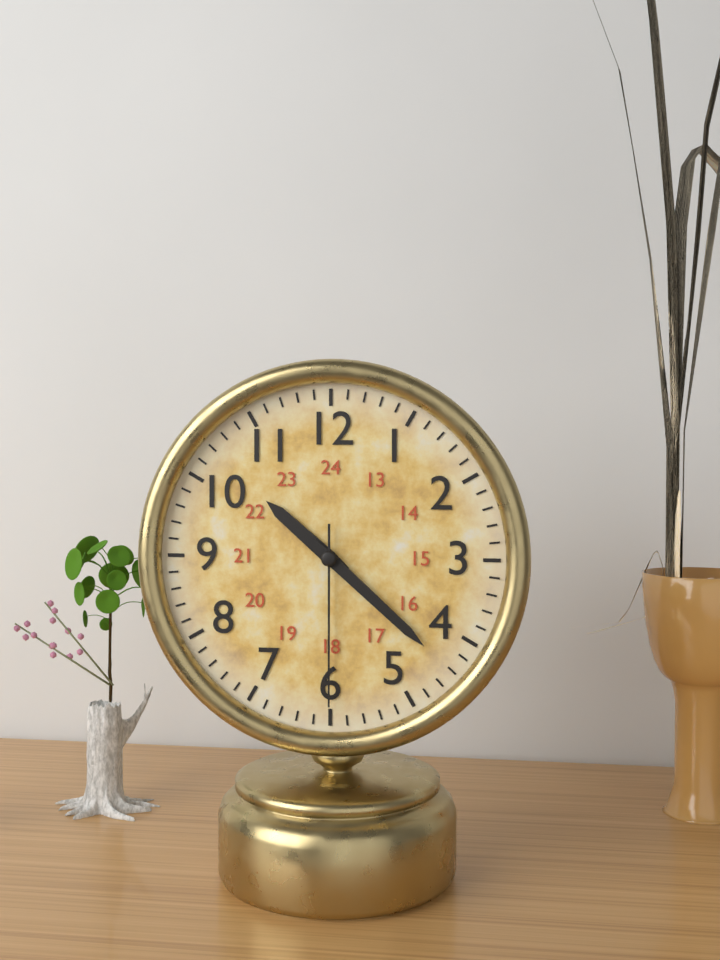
{"hour": 10, "minute": 22, "second": 30}
